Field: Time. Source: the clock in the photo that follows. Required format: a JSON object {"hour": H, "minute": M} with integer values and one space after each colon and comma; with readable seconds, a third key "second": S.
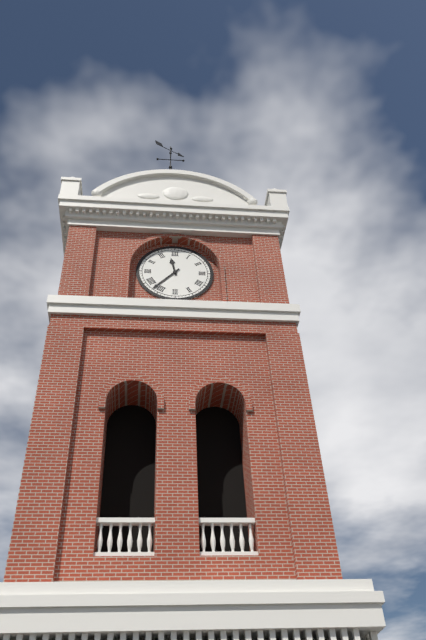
{"hour": 11, "minute": 37}
